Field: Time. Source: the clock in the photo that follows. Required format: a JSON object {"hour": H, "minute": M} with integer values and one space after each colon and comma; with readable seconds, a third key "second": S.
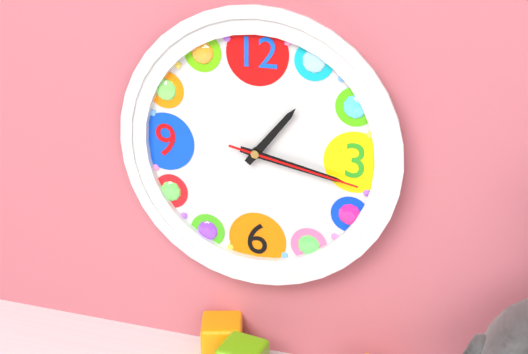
{"hour": 1, "minute": 17, "second": 17}
